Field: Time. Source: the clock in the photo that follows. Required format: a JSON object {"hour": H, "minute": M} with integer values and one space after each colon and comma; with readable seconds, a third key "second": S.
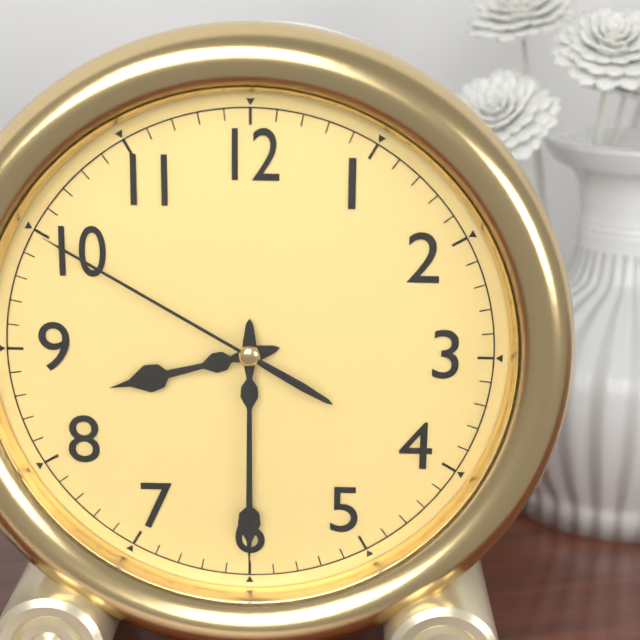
{"hour": 8, "minute": 30, "second": 50}
